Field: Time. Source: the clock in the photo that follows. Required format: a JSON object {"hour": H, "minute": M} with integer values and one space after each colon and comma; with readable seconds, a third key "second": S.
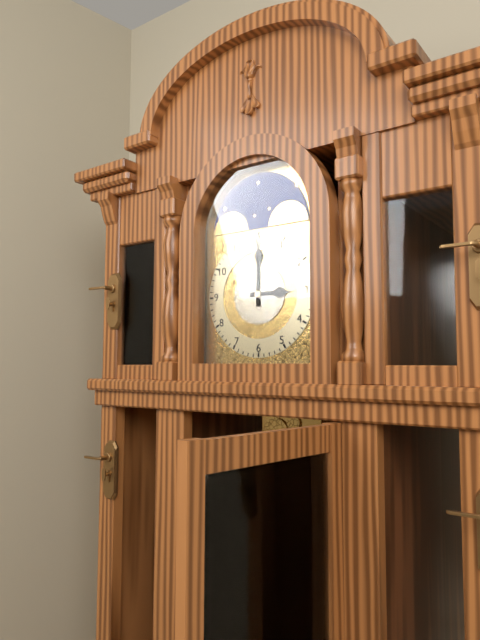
{"hour": 3, "minute": 0}
